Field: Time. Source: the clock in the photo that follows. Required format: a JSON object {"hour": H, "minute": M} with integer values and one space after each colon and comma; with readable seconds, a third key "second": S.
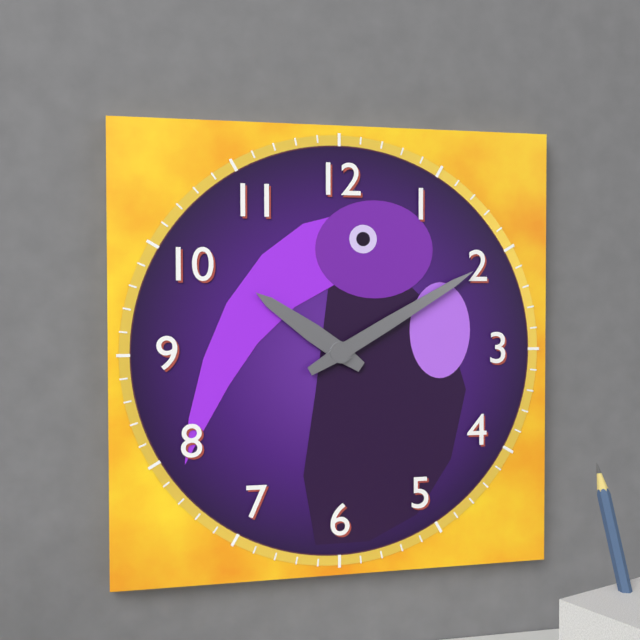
{"hour": 10, "minute": 10}
